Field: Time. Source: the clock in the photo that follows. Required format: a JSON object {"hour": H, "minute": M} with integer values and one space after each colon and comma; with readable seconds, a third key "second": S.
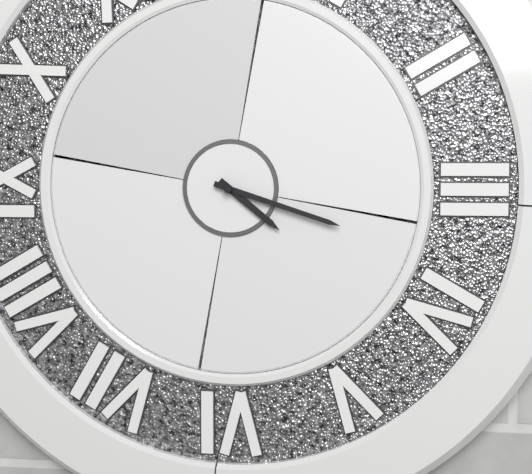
{"hour": 4, "minute": 18}
